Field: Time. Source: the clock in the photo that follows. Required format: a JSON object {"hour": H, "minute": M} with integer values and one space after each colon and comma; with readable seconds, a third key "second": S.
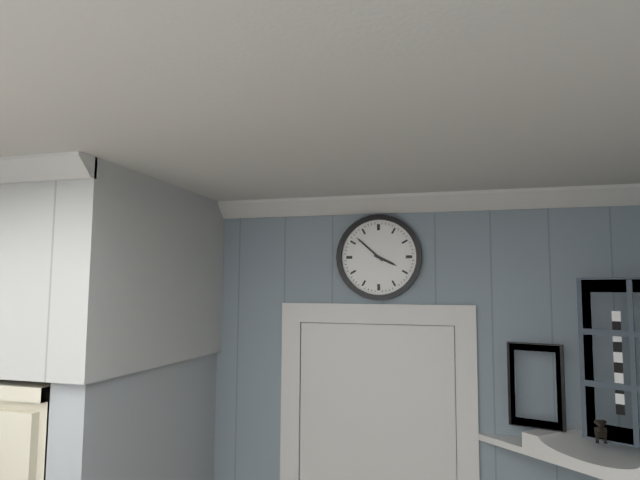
{"hour": 3, "minute": 52}
